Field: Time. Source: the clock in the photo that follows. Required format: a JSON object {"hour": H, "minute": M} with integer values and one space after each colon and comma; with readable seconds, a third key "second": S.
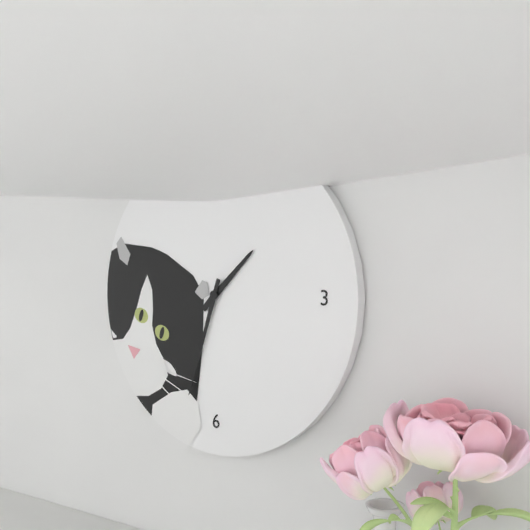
{"hour": 1, "minute": 33}
